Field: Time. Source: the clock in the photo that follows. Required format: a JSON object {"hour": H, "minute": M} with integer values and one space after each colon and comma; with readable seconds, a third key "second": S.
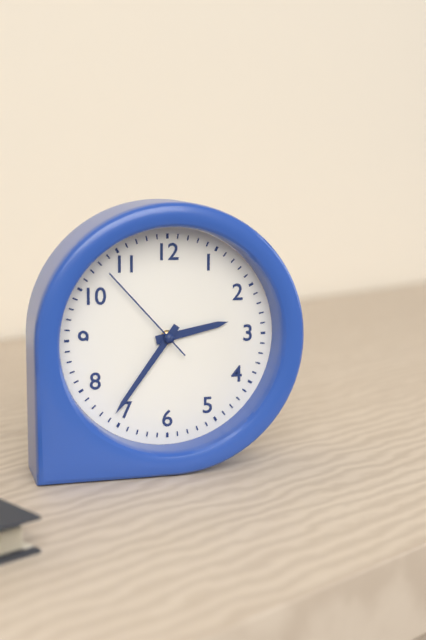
{"hour": 2, "minute": 36, "second": 53}
